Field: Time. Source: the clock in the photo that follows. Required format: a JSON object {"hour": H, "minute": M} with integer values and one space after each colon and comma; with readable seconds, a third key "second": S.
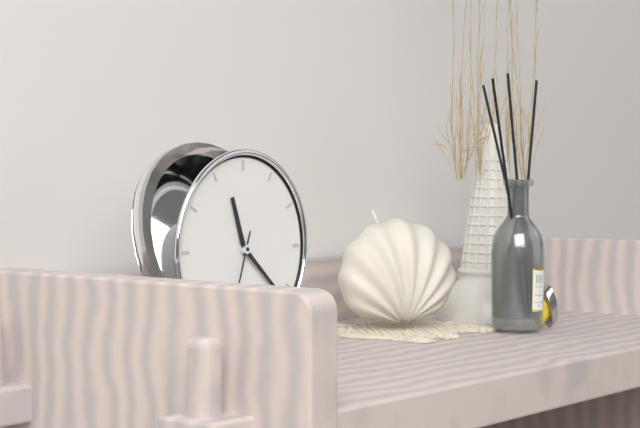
{"hour": 11, "minute": 22}
